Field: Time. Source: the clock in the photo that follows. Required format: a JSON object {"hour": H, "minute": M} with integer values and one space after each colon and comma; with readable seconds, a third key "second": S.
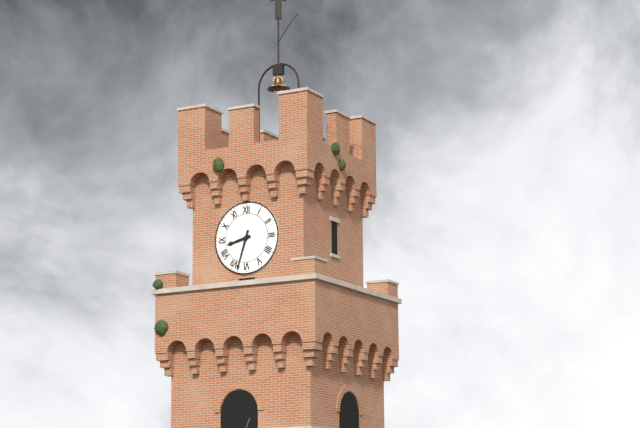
{"hour": 8, "minute": 33}
